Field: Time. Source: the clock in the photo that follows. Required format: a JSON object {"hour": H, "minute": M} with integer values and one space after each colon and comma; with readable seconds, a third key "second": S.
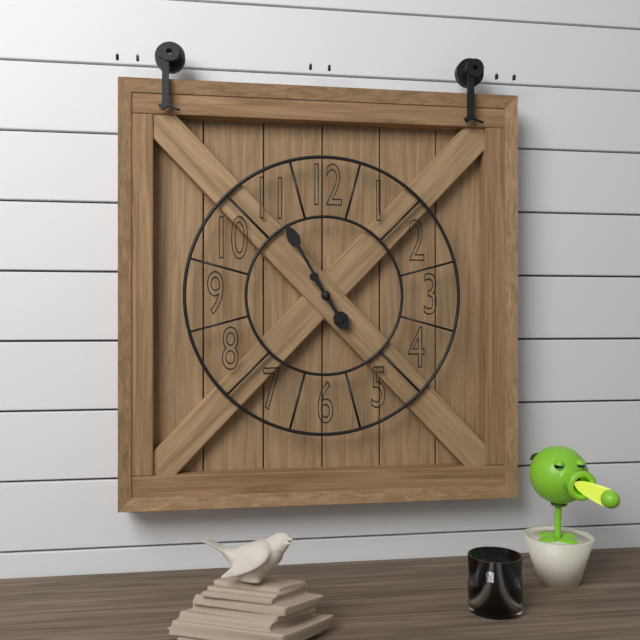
{"hour": 4, "minute": 55}
